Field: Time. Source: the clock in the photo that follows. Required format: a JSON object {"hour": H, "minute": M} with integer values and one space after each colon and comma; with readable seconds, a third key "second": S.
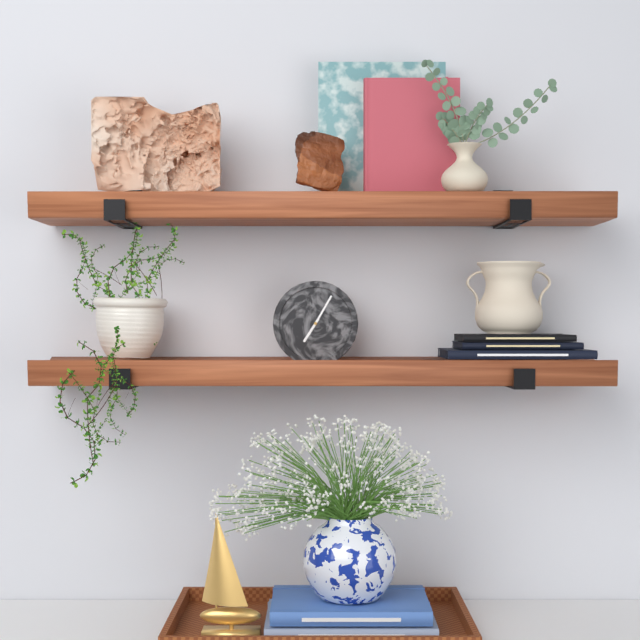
{"hour": 7, "minute": 5}
